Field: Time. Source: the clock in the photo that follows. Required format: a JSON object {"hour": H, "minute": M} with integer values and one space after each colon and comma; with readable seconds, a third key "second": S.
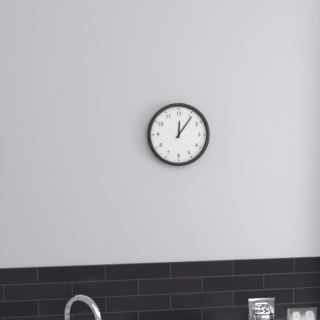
{"hour": 12, "minute": 6}
